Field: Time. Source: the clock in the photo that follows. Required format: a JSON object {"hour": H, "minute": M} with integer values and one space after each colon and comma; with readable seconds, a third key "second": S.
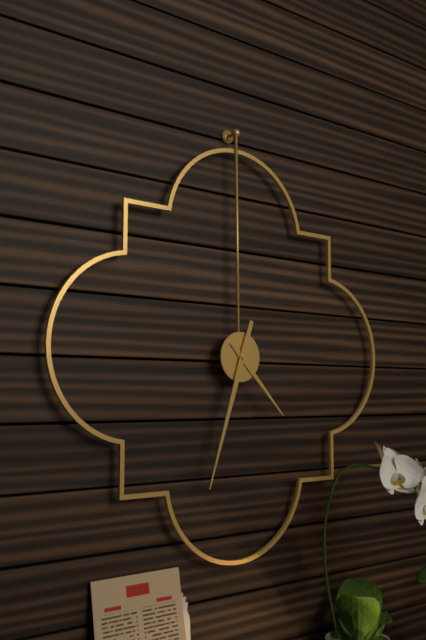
{"hour": 4, "minute": 33}
